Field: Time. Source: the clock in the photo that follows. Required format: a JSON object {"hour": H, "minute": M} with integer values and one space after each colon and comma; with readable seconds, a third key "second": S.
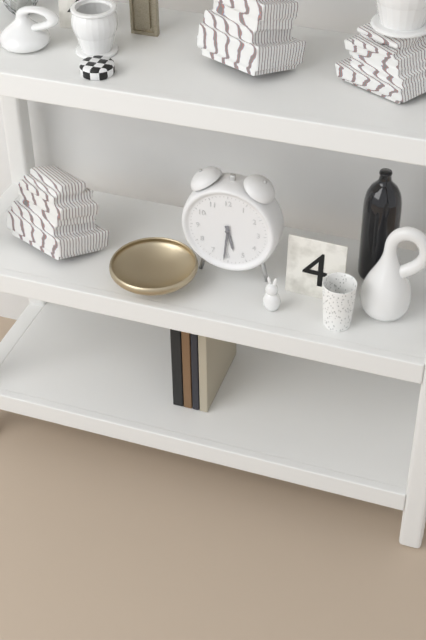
{"hour": 5, "minute": 31}
